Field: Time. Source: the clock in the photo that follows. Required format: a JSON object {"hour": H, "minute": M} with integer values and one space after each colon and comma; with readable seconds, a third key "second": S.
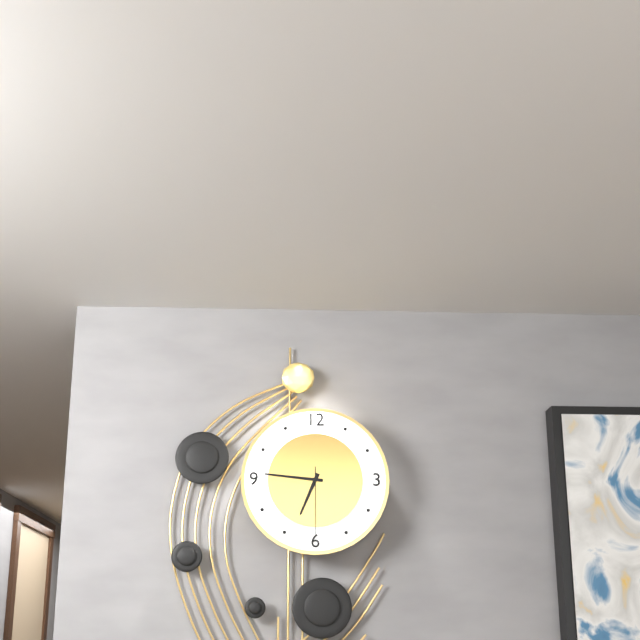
{"hour": 6, "minute": 46, "second": 30}
